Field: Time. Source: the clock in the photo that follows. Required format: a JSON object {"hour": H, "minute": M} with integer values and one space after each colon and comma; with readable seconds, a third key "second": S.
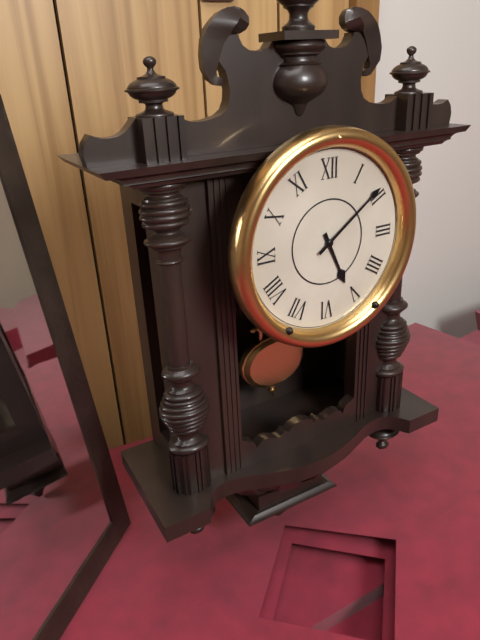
{"hour": 5, "minute": 9}
